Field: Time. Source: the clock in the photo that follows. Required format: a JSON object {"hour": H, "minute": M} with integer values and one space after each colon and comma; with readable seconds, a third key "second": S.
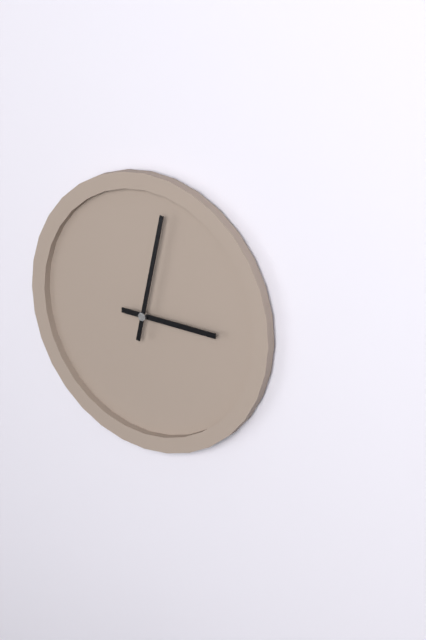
{"hour": 3, "minute": 2}
